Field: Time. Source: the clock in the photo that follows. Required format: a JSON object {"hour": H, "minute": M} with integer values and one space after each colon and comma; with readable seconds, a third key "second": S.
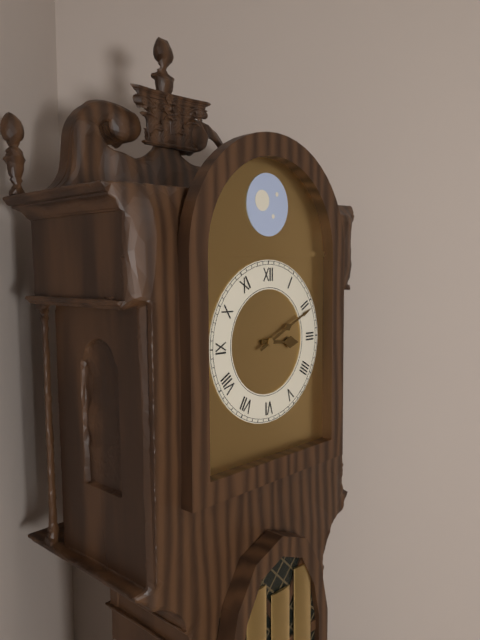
{"hour": 3, "minute": 11}
